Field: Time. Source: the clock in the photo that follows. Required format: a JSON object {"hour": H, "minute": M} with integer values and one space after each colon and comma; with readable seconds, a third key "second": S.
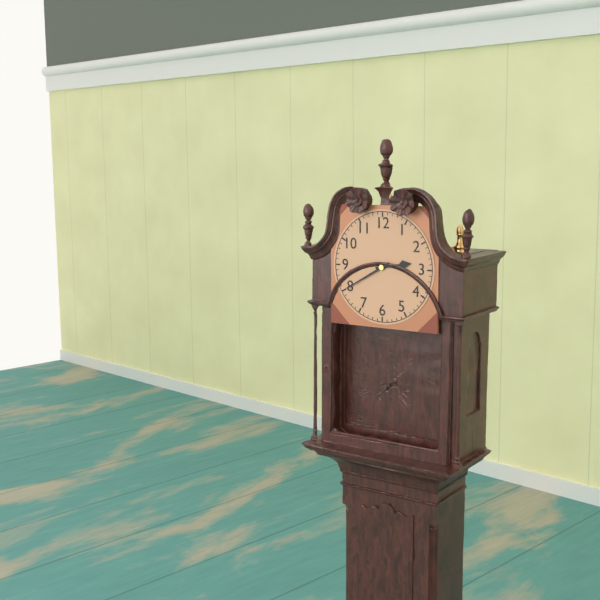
{"hour": 2, "minute": 40}
